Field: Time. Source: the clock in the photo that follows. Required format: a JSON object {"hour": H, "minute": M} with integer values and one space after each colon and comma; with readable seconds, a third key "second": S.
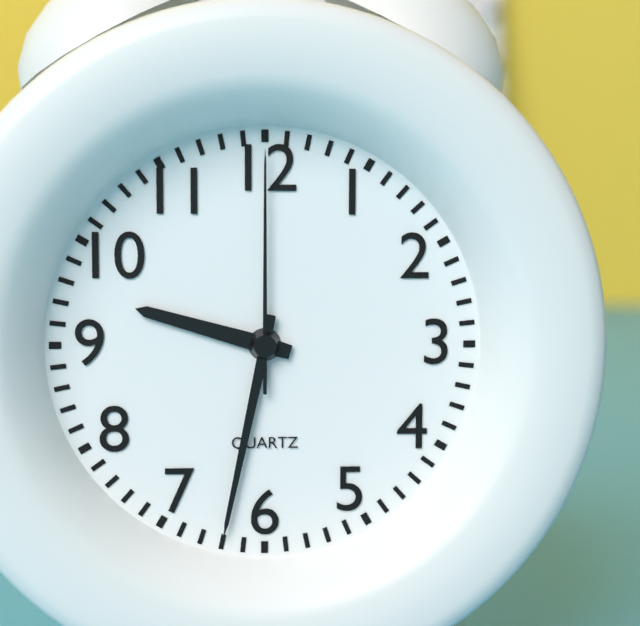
{"hour": 9, "minute": 32, "second": 0}
